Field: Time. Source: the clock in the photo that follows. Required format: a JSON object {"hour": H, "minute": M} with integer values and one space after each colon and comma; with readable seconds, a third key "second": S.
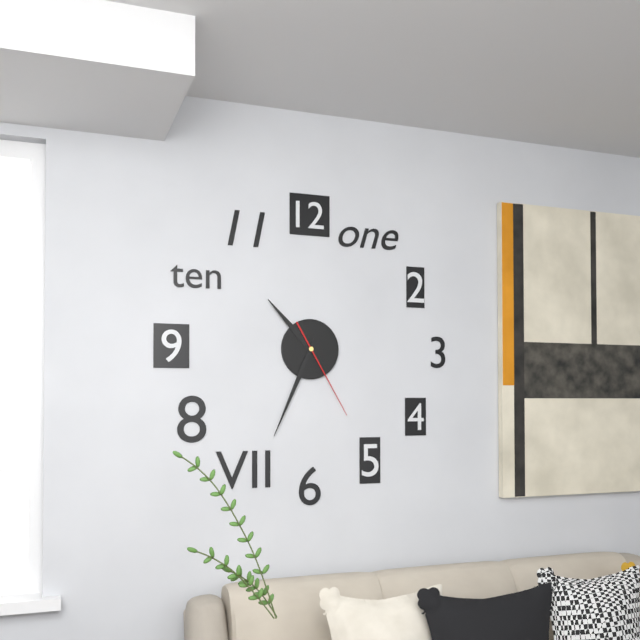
{"hour": 10, "minute": 34, "second": 25}
